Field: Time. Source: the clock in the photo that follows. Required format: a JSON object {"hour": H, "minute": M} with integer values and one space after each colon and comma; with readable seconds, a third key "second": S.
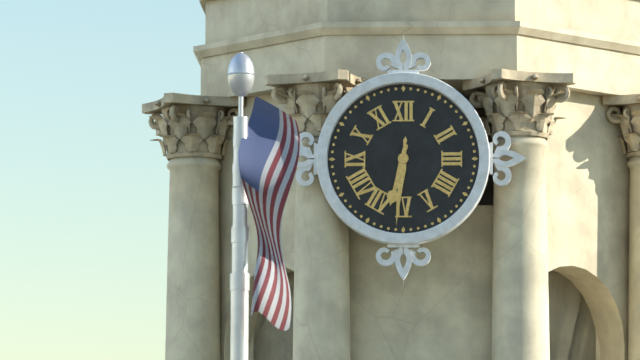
{"hour": 6, "minute": 31}
